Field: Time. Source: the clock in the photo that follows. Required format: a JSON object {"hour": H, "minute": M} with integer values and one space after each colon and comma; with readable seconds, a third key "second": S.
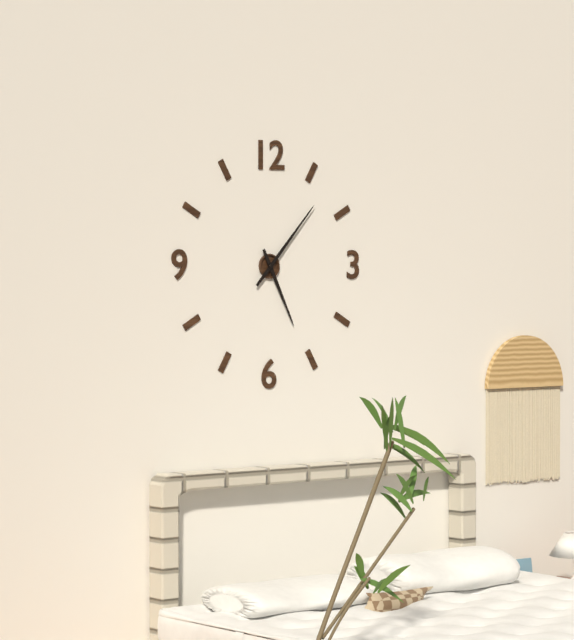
{"hour": 5, "minute": 7}
